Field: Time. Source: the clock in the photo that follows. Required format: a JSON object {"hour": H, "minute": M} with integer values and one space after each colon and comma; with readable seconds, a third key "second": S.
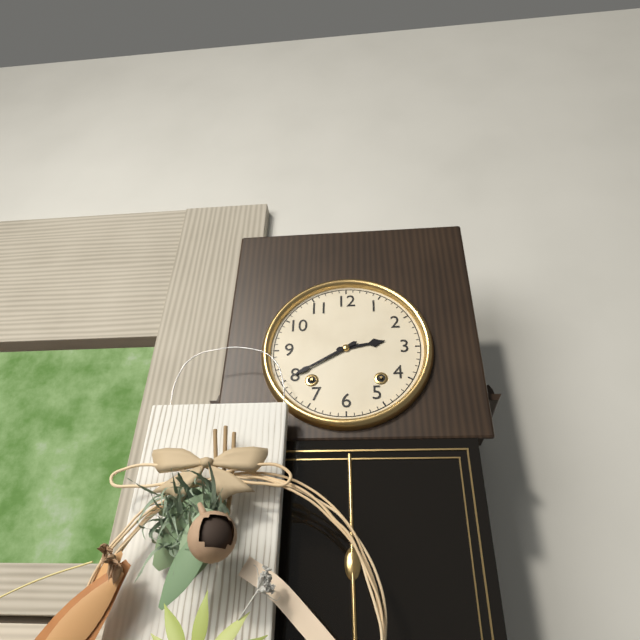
{"hour": 2, "minute": 40}
